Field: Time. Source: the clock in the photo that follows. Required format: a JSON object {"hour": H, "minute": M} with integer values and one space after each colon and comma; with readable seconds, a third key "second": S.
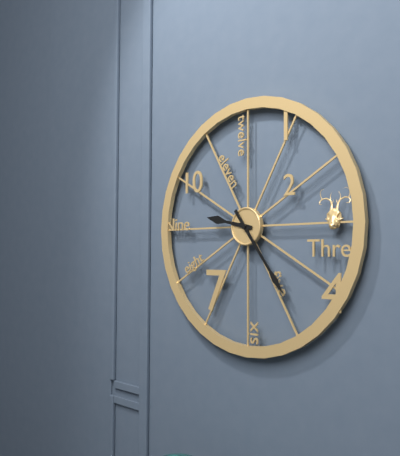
{"hour": 9, "minute": 24}
